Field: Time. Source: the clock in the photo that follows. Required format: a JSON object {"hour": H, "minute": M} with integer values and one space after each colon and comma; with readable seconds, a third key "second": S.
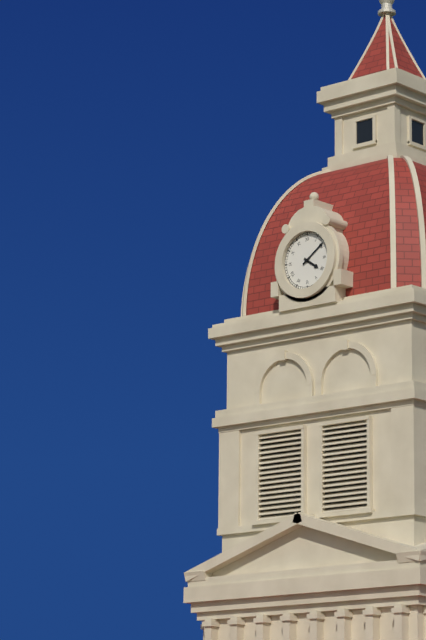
{"hour": 4, "minute": 9}
